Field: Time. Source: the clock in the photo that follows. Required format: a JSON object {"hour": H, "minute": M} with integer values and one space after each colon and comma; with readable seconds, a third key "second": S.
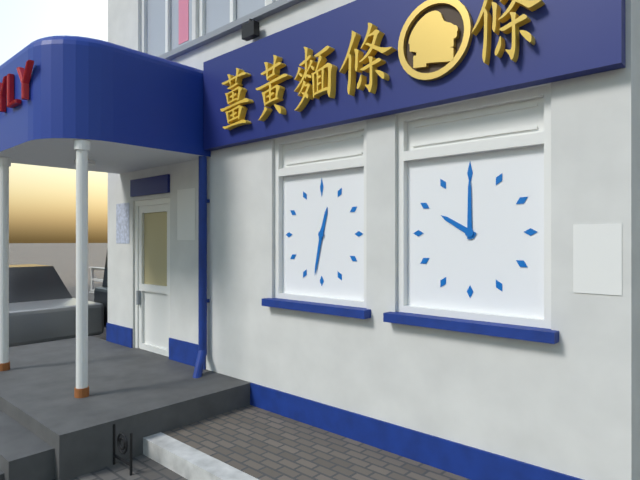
{"hour": 12, "minute": 32}
